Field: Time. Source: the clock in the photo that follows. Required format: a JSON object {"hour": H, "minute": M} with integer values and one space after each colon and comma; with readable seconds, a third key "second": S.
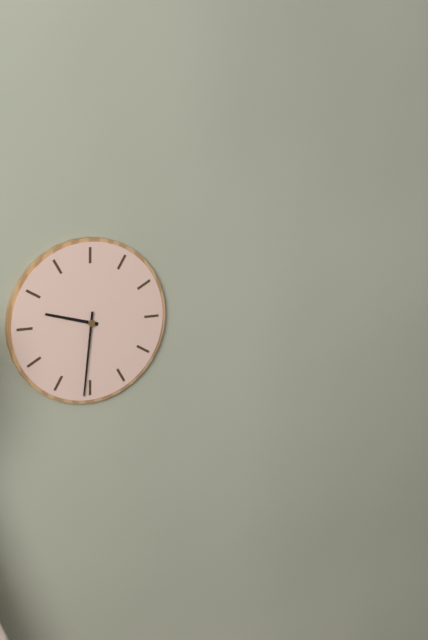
{"hour": 9, "minute": 31}
